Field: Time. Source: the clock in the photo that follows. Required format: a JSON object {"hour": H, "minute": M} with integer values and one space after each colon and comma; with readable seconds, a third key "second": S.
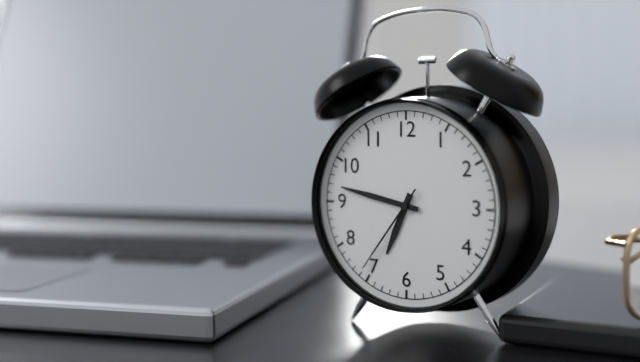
{"hour": 6, "minute": 47, "second": 36}
